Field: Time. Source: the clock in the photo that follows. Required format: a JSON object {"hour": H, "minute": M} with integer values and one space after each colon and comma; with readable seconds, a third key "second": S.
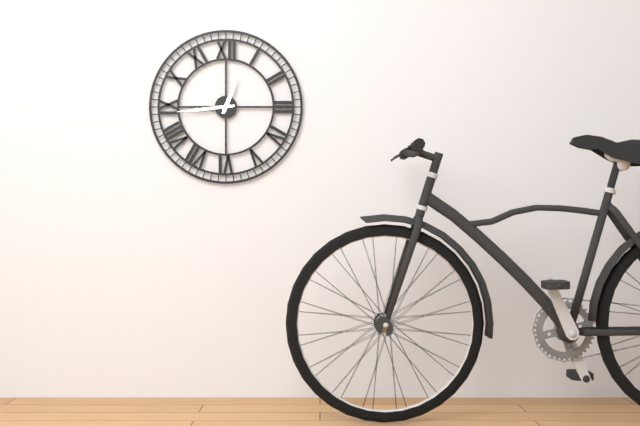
{"hour": 12, "minute": 44}
